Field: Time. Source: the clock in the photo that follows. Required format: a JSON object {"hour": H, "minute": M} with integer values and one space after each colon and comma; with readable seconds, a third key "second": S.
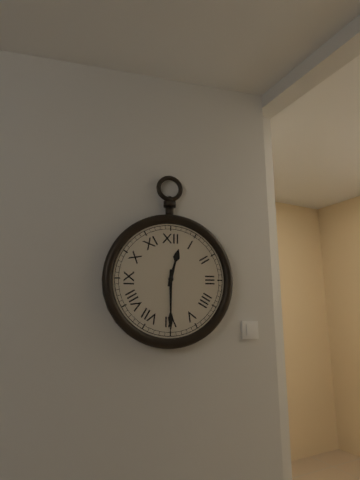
{"hour": 12, "minute": 30}
